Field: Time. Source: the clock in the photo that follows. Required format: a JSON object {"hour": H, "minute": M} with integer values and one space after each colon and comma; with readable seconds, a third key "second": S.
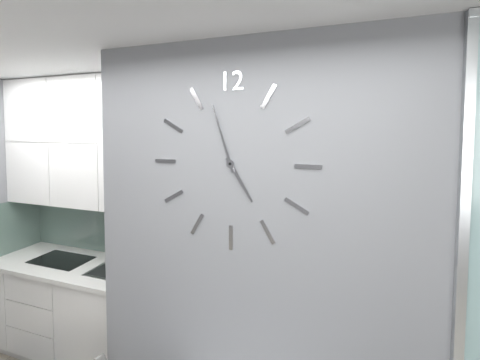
{"hour": 4, "minute": 57}
